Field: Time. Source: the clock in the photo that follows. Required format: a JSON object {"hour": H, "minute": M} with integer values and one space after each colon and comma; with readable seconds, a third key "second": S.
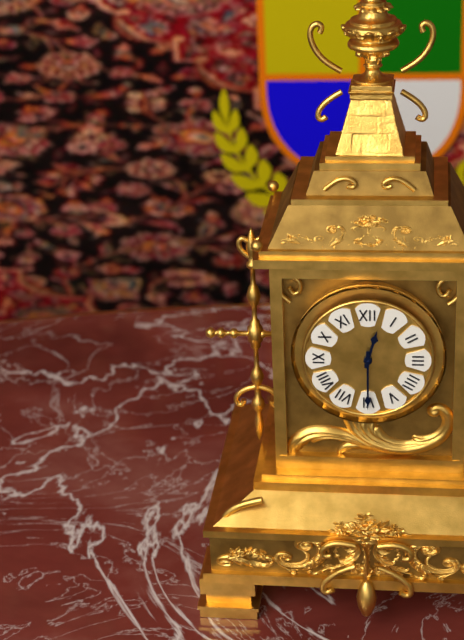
{"hour": 12, "minute": 30}
